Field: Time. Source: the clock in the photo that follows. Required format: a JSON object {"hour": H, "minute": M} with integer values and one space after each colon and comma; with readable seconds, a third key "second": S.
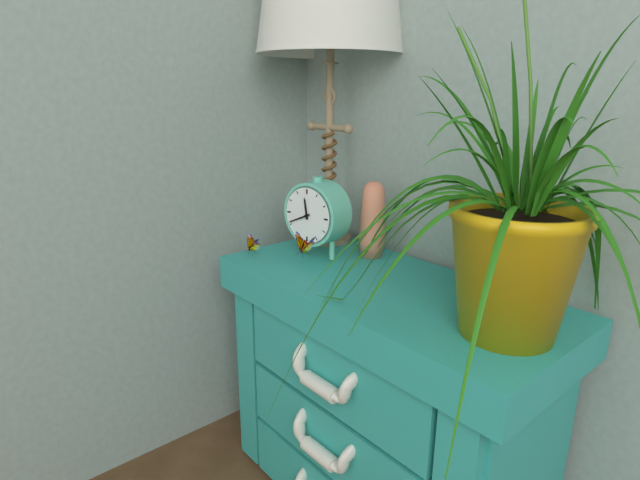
{"hour": 11, "minute": 41}
